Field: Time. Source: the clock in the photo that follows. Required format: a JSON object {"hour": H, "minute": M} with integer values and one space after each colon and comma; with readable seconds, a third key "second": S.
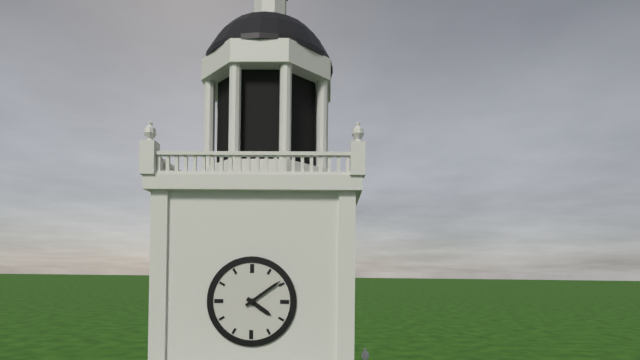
{"hour": 4, "minute": 9}
